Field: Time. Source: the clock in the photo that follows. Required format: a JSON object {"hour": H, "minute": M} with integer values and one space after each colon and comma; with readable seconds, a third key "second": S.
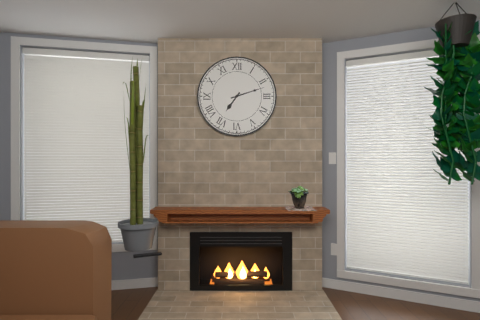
{"hour": 7, "minute": 12}
